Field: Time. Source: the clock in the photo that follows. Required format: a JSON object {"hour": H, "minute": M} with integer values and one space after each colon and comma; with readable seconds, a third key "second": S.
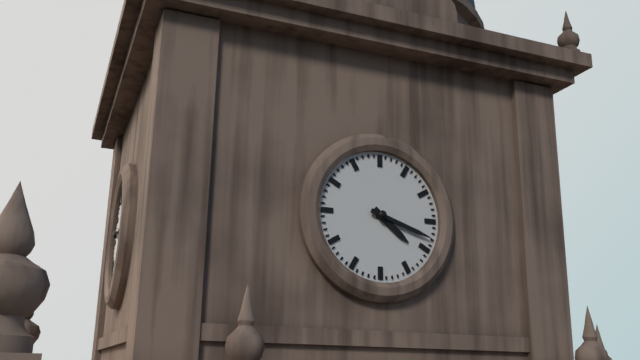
{"hour": 4, "minute": 18}
